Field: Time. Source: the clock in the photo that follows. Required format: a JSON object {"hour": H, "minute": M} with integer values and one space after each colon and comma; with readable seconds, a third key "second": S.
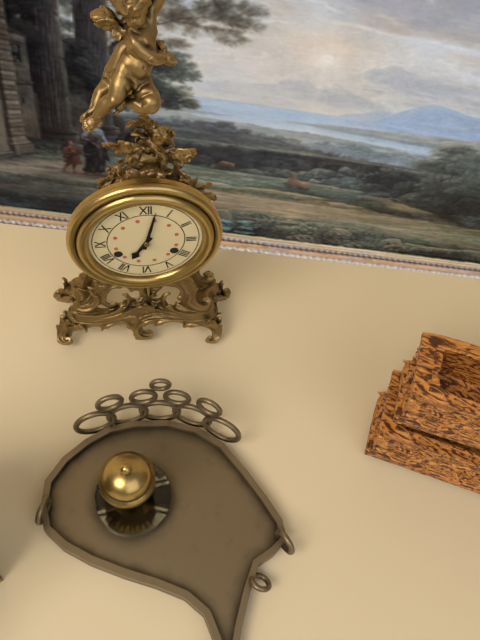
{"hour": 7, "minute": 2}
